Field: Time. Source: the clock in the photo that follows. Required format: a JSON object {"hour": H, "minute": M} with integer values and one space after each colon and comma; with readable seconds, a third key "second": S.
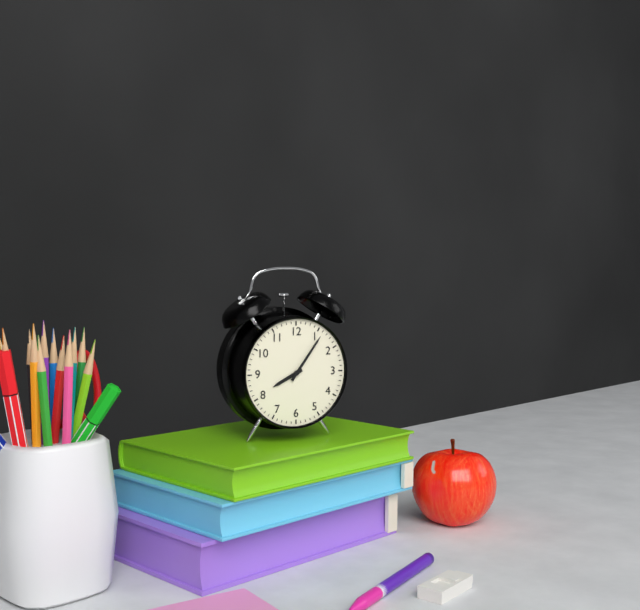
{"hour": 8, "minute": 6}
